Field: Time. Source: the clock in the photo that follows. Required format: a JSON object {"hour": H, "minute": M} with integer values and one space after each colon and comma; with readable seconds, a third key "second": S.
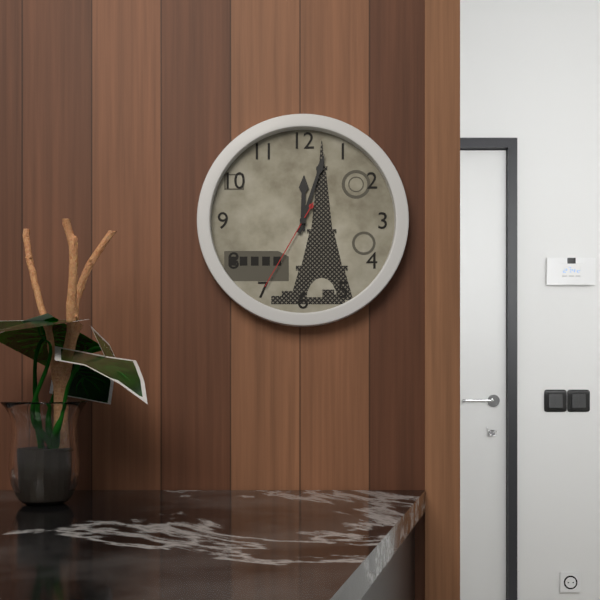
{"hour": 12, "minute": 3, "second": 35}
